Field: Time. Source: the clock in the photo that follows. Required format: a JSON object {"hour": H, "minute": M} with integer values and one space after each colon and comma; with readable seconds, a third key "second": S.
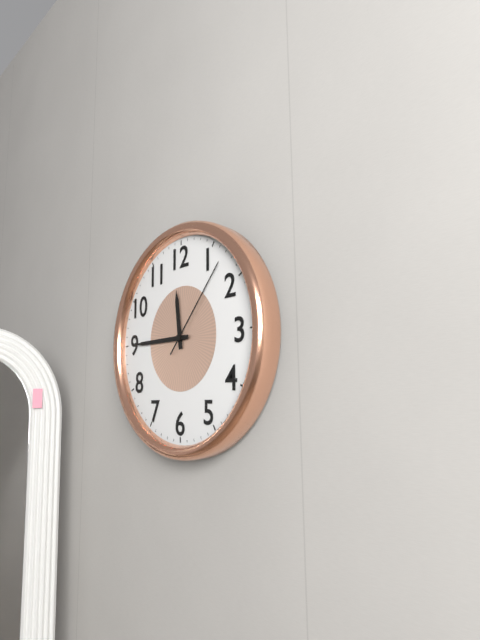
{"hour": 11, "minute": 45, "second": 7}
